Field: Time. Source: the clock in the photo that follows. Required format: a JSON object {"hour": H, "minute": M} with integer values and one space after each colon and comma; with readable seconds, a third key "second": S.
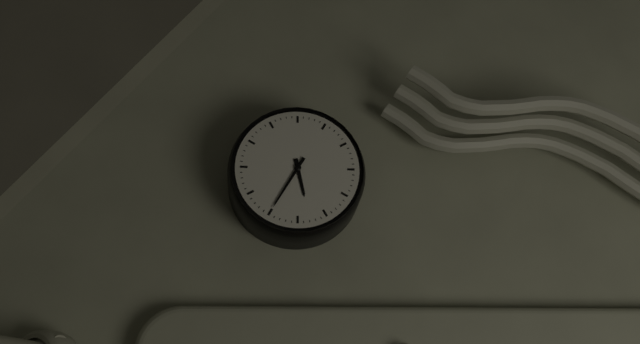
{"hour": 5, "minute": 35}
